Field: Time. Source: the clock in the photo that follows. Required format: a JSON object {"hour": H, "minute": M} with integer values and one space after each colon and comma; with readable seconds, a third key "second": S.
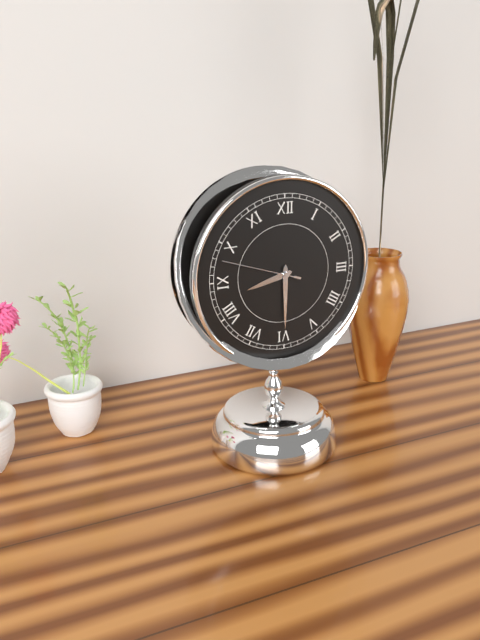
{"hour": 8, "minute": 30, "second": 48}
